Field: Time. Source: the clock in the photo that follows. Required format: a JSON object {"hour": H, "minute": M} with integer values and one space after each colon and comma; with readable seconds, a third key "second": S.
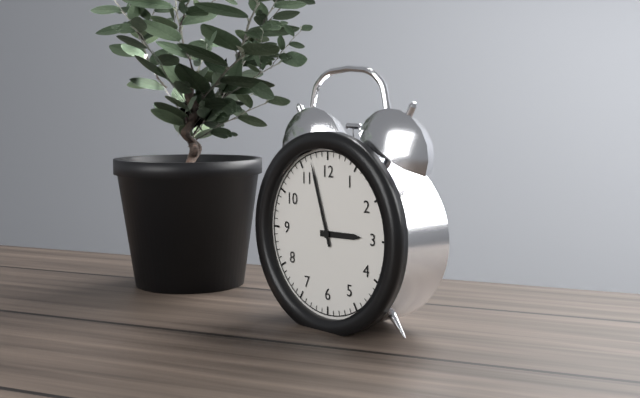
{"hour": 2, "minute": 57}
